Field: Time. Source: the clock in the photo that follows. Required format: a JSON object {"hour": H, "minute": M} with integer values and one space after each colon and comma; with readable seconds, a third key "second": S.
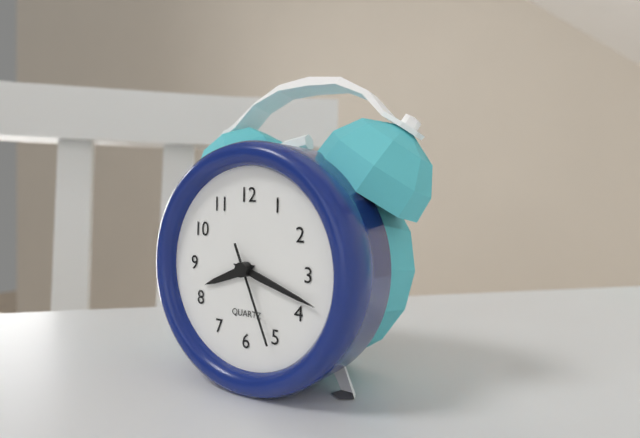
{"hour": 8, "minute": 18, "second": 26}
